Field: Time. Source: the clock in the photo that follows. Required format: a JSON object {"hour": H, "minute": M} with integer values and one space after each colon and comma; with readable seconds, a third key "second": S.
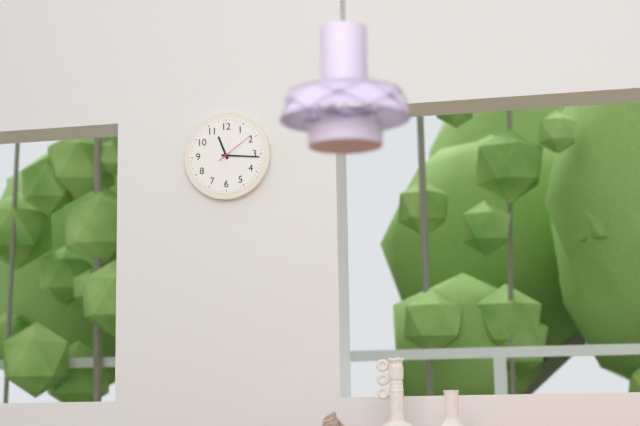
{"hour": 11, "minute": 16}
